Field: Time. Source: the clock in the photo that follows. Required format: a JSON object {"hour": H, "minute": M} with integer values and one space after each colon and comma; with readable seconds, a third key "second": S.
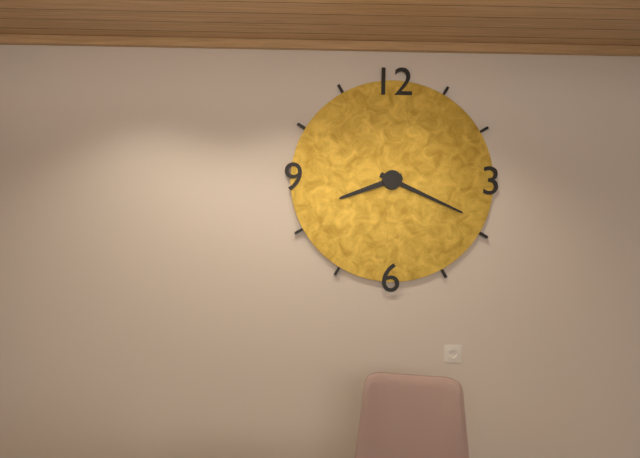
{"hour": 8, "minute": 19}
